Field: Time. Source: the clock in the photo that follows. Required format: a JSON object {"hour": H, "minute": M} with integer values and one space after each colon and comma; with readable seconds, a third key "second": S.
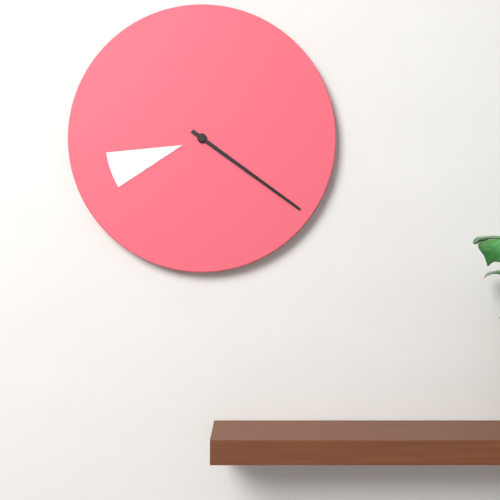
{"hour": 8, "minute": 21}
